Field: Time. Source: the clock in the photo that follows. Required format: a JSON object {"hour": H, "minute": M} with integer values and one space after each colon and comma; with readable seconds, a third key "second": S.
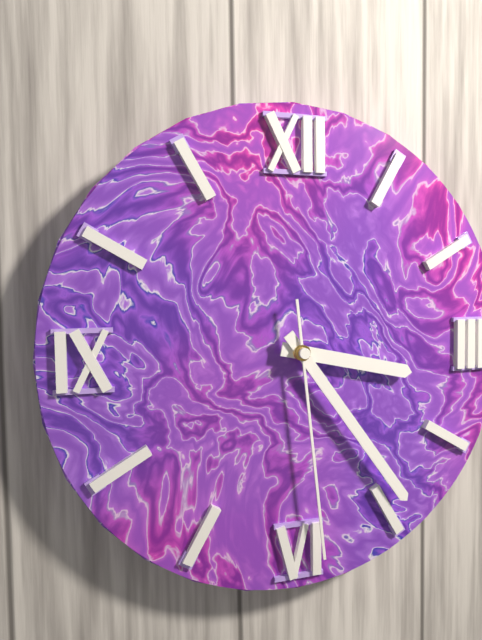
{"hour": 3, "minute": 24, "second": 29}
